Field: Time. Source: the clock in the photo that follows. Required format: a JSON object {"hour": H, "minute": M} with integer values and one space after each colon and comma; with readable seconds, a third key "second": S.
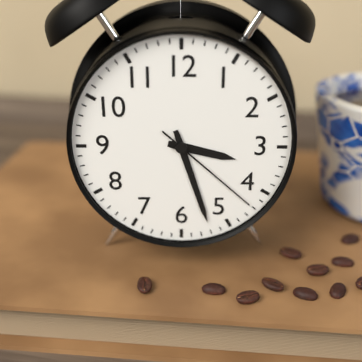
{"hour": 3, "minute": 27, "second": 22}
